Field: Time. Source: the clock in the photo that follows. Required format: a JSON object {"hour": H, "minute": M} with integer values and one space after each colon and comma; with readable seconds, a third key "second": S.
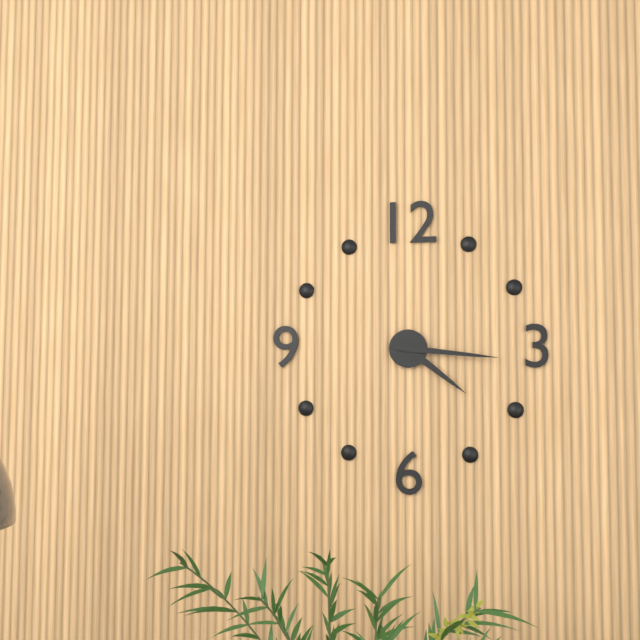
{"hour": 4, "minute": 16}
